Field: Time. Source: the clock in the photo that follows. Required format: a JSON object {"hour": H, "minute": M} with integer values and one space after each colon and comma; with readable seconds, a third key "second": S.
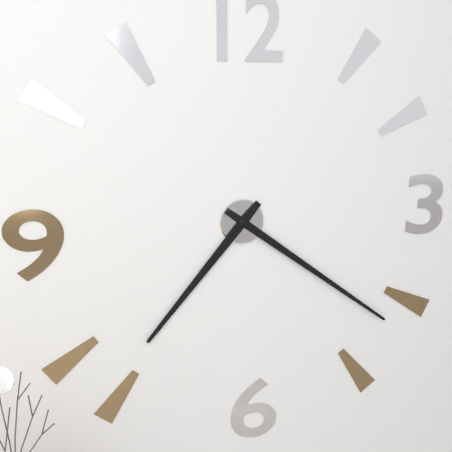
{"hour": 7, "minute": 21}
